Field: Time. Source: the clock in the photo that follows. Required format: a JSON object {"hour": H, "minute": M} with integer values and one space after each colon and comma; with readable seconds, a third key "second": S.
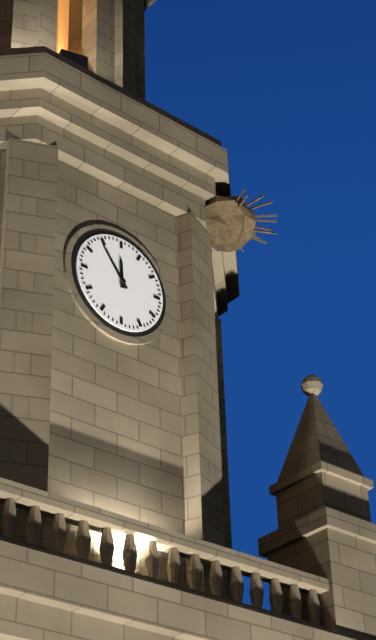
{"hour": 11, "minute": 54}
